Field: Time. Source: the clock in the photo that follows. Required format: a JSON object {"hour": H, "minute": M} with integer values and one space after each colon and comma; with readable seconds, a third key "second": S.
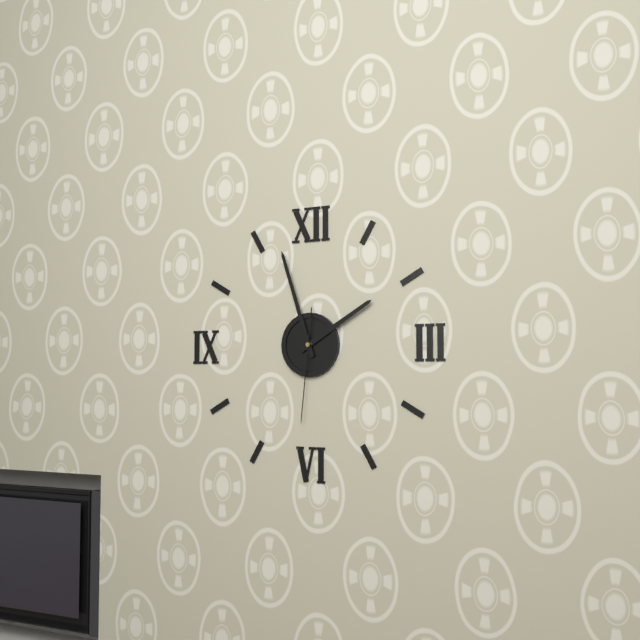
{"hour": 1, "minute": 57, "second": 31}
